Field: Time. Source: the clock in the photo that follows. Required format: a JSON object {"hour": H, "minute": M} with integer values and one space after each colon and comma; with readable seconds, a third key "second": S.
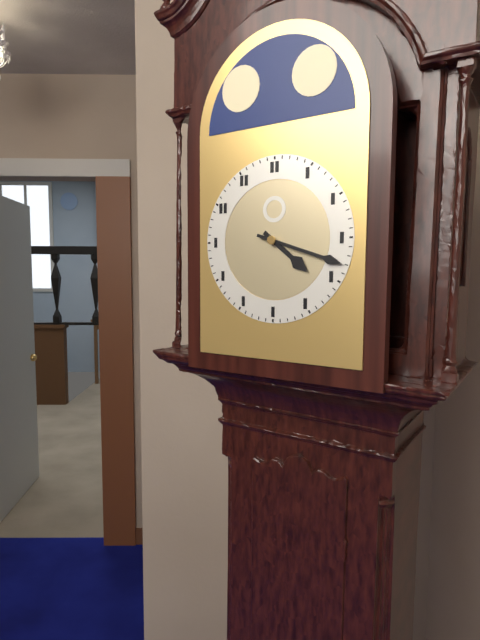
{"hour": 4, "minute": 18}
